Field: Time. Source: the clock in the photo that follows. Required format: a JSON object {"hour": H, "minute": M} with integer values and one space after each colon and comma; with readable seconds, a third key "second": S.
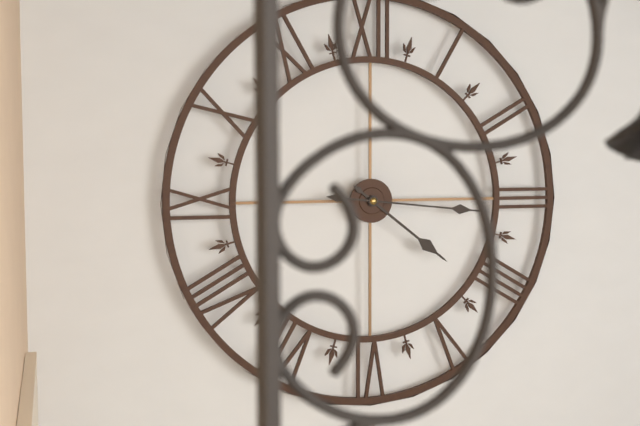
{"hour": 4, "minute": 16}
